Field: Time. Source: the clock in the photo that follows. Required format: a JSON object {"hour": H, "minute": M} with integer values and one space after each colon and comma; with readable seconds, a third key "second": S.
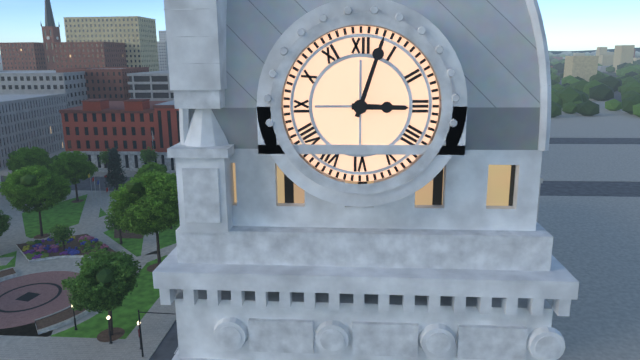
{"hour": 3, "minute": 3}
